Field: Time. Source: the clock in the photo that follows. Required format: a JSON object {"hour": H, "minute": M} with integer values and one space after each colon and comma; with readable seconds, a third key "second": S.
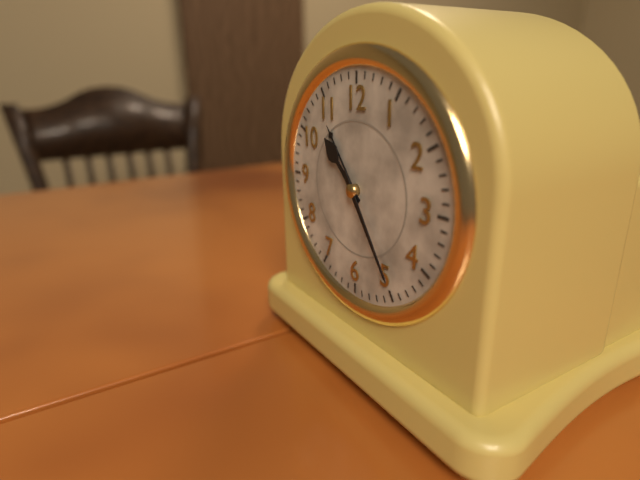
{"hour": 10, "minute": 24}
